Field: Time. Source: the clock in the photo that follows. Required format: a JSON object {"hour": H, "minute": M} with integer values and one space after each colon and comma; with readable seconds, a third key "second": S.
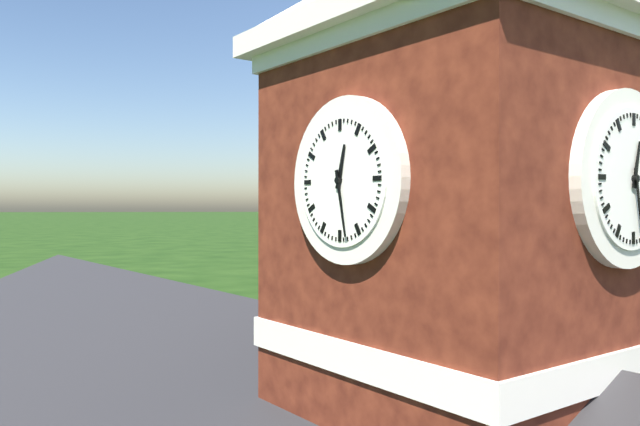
{"hour": 12, "minute": 28}
